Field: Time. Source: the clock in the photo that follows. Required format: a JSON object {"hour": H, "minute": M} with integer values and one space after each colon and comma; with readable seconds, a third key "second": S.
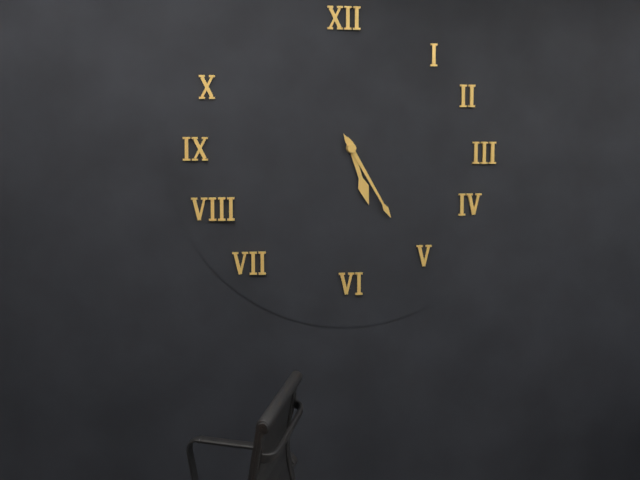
{"hour": 5, "minute": 25}
